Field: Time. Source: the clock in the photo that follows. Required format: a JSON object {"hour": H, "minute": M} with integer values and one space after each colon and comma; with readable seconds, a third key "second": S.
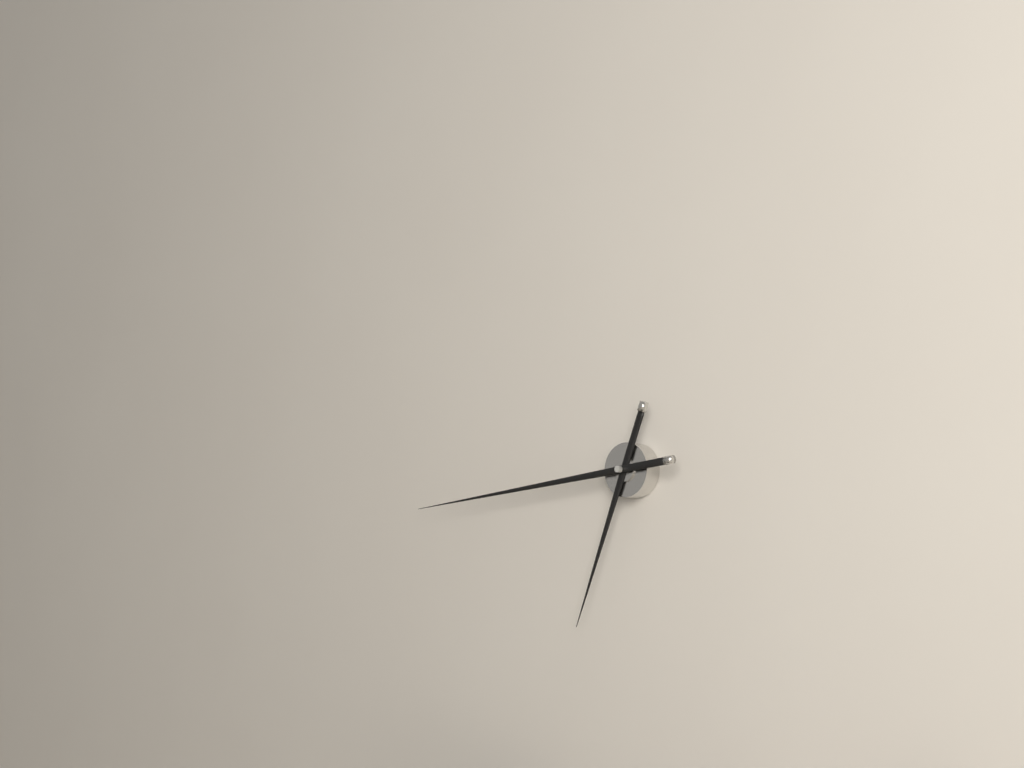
{"hour": 6, "minute": 44}
